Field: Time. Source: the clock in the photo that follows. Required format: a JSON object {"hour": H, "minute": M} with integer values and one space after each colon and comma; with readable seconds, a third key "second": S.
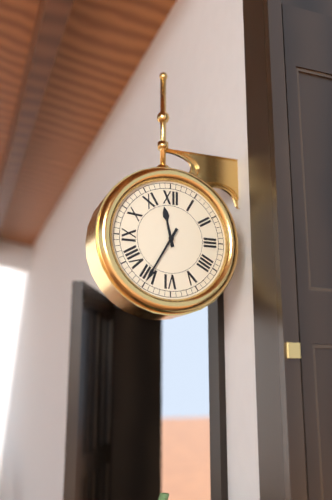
{"hour": 11, "minute": 35}
